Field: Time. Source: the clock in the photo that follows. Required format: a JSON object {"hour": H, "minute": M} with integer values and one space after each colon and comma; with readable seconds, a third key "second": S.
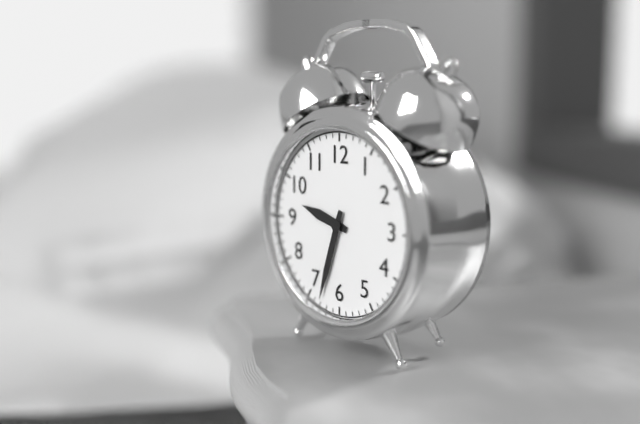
{"hour": 9, "minute": 33}
